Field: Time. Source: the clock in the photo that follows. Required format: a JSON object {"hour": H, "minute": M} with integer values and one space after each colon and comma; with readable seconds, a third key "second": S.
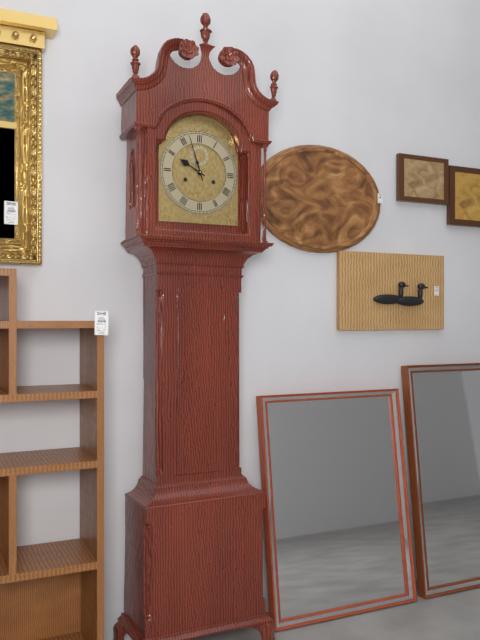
{"hour": 9, "minute": 57}
